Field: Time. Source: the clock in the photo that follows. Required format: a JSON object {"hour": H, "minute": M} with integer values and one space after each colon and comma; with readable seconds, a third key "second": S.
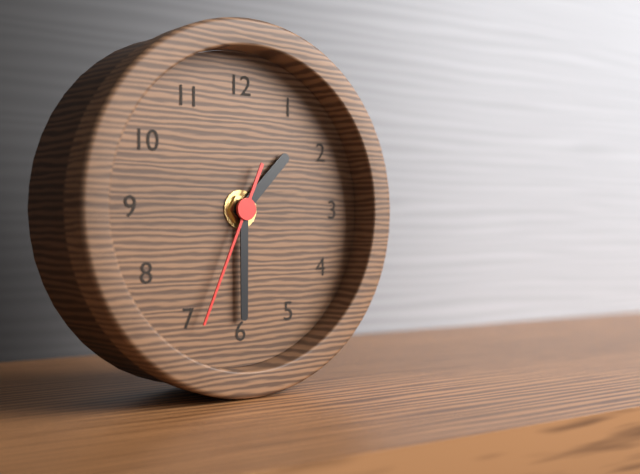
{"hour": 1, "minute": 30, "second": 34}
